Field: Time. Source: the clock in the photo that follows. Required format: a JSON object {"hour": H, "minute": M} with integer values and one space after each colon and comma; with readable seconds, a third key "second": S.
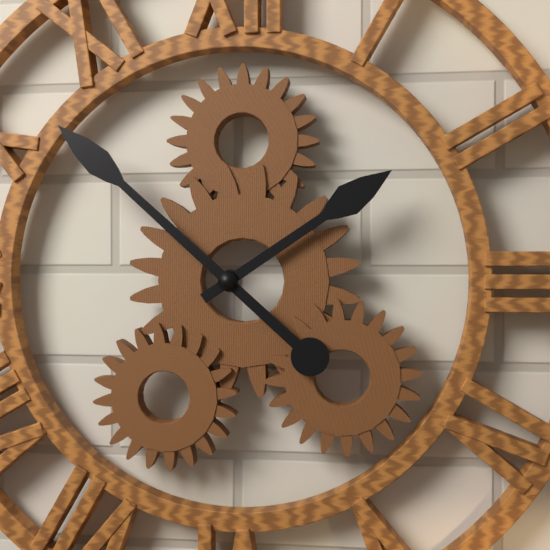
{"hour": 1, "minute": 52}
